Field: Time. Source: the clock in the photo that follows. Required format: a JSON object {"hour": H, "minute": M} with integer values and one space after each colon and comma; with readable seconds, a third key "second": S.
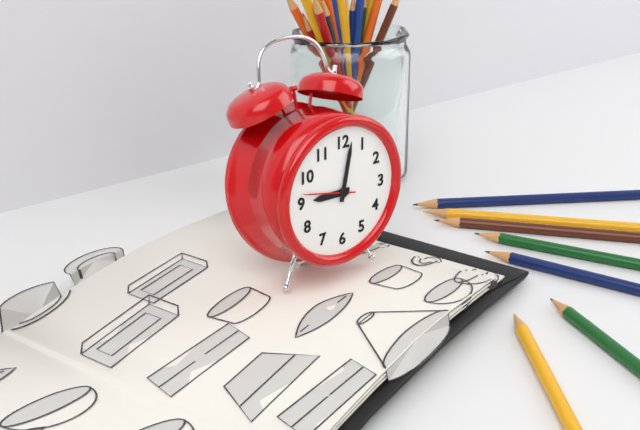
{"hour": 9, "minute": 2, "second": 47}
